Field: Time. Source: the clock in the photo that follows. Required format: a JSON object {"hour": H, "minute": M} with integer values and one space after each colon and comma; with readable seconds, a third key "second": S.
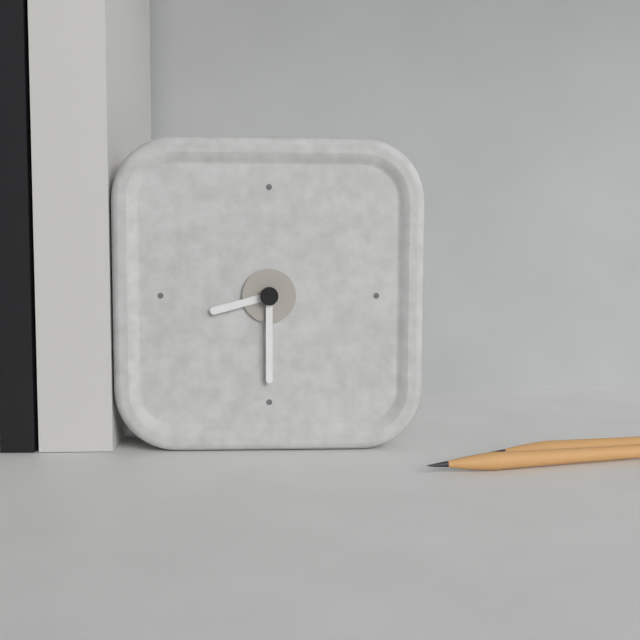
{"hour": 8, "minute": 30}
